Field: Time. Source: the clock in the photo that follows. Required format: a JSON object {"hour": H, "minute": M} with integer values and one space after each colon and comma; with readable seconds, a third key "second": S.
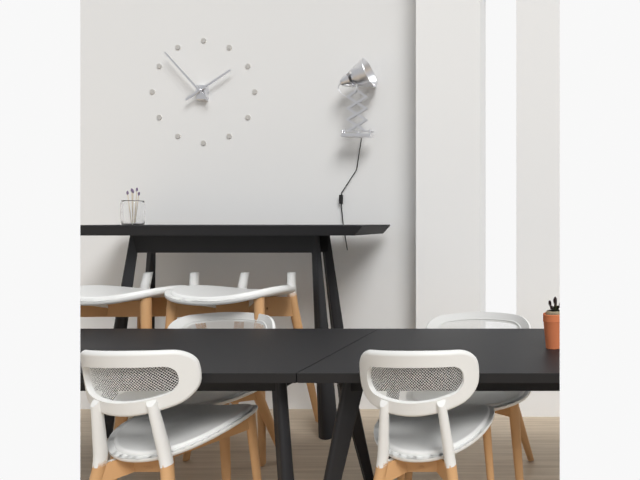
{"hour": 1, "minute": 53}
